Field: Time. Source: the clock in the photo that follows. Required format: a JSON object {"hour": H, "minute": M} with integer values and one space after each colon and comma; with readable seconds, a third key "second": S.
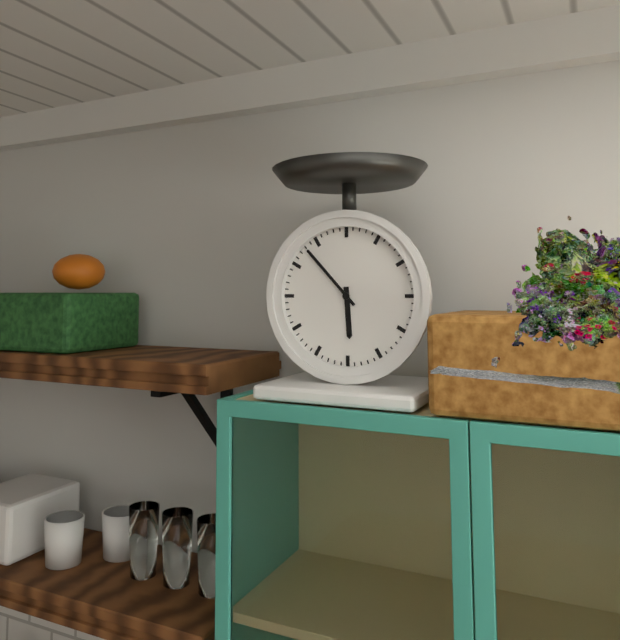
{"hour": 5, "minute": 53}
